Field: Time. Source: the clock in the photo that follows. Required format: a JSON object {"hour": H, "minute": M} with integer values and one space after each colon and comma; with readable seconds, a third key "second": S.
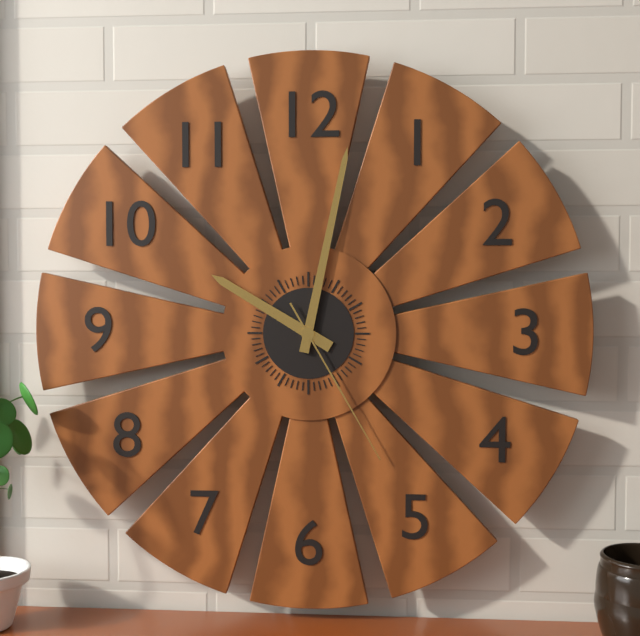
{"hour": 10, "minute": 2, "second": 25}
